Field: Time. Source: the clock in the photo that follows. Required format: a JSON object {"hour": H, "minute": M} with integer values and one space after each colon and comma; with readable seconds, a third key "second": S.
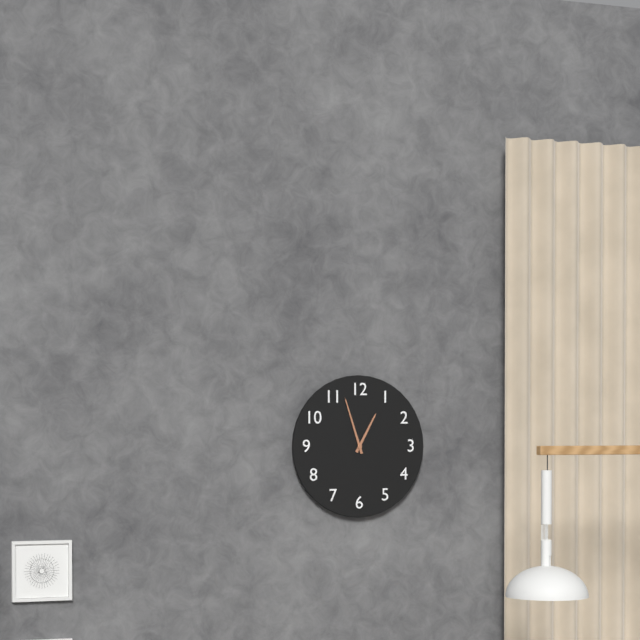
{"hour": 12, "minute": 57}
